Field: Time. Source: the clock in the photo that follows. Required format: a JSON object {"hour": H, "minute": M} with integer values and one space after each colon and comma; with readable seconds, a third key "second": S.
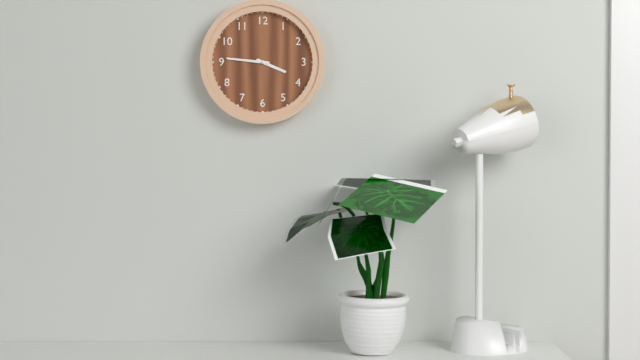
{"hour": 3, "minute": 46}
